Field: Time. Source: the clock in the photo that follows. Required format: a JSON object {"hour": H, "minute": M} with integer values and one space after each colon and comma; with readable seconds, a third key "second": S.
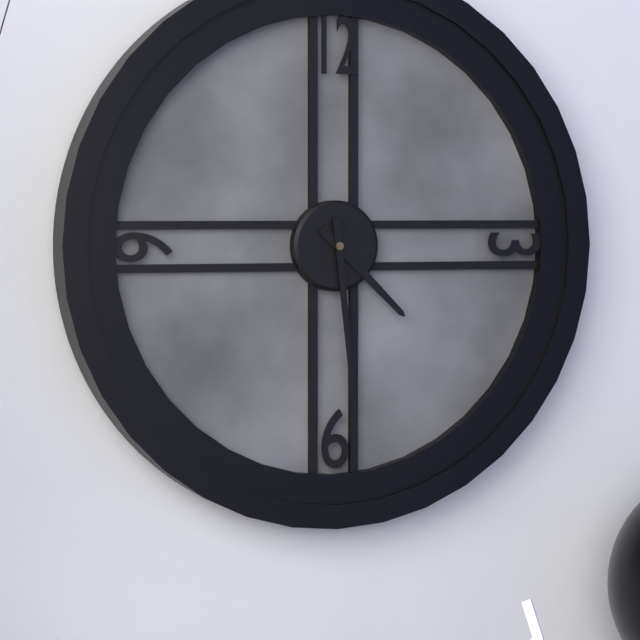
{"hour": 4, "minute": 29}
